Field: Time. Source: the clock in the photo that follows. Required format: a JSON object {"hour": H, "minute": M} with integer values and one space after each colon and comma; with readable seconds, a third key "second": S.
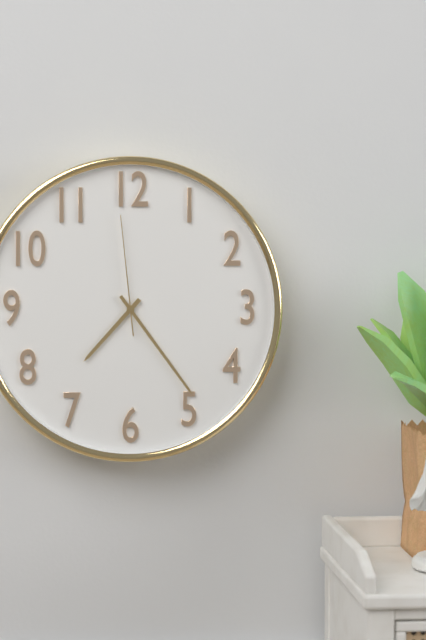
{"hour": 7, "minute": 24, "second": 59}
